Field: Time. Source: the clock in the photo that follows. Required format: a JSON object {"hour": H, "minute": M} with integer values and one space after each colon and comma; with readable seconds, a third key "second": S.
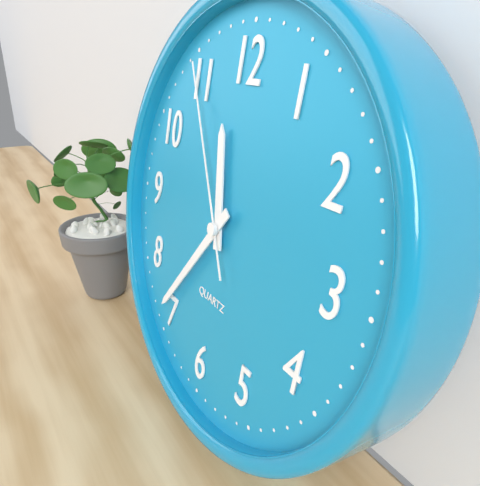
{"hour": 11, "minute": 36, "second": 55}
